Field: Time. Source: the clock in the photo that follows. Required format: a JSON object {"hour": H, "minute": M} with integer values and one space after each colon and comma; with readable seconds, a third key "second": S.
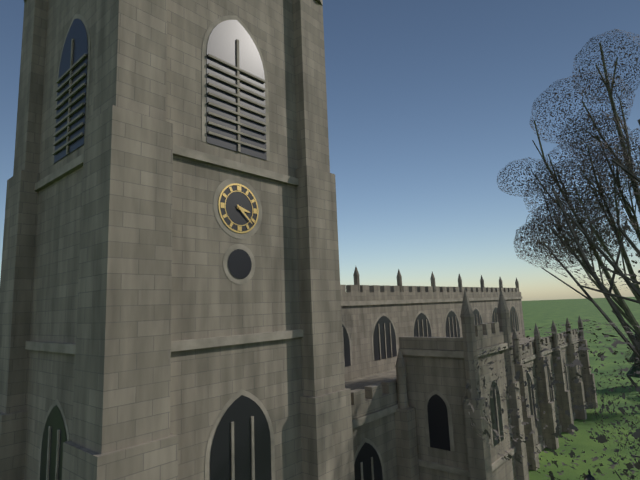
{"hour": 3, "minute": 22}
